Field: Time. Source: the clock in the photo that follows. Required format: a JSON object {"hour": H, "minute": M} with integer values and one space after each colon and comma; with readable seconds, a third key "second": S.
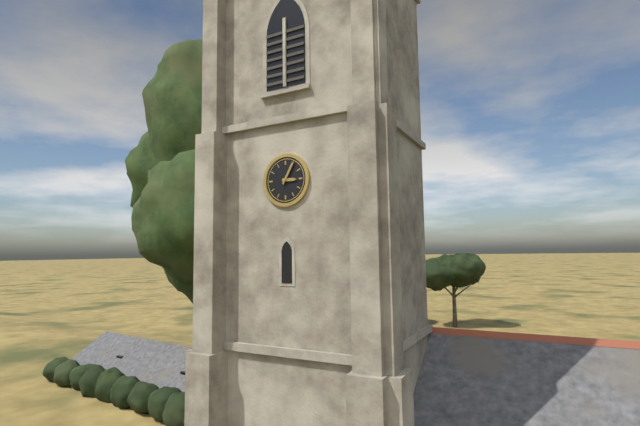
{"hour": 3, "minute": 5}
